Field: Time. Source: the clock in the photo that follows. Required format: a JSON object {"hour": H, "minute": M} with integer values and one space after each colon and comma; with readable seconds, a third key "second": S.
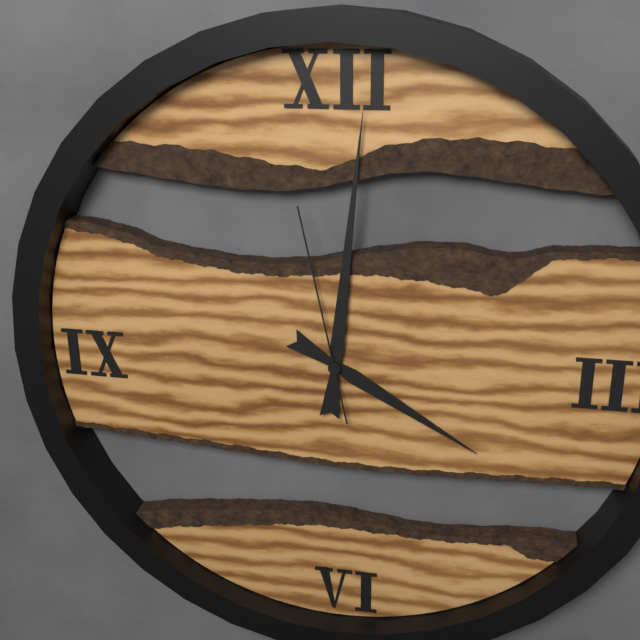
{"hour": 4, "minute": 1, "second": 58}
